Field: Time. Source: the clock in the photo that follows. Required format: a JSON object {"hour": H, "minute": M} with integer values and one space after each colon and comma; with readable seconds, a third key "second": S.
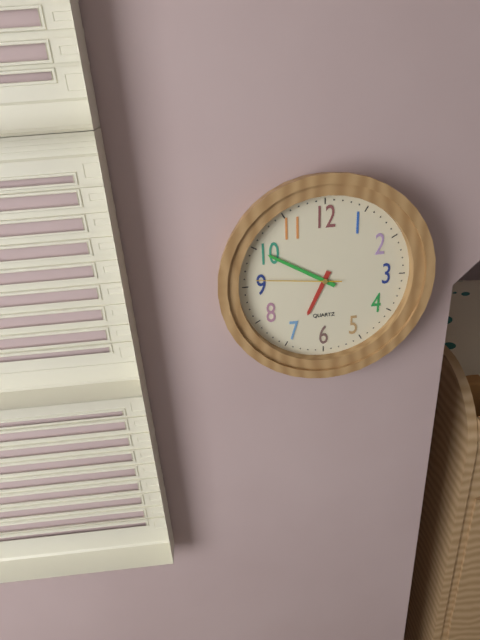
{"hour": 6, "minute": 50, "second": 46}
